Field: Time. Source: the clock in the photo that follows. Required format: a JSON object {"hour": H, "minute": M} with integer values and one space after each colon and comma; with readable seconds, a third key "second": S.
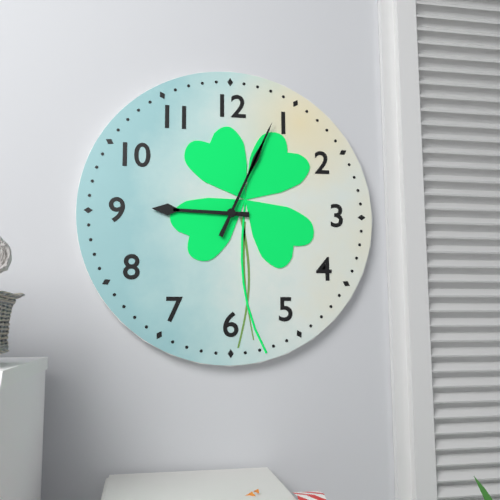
{"hour": 9, "minute": 4}
